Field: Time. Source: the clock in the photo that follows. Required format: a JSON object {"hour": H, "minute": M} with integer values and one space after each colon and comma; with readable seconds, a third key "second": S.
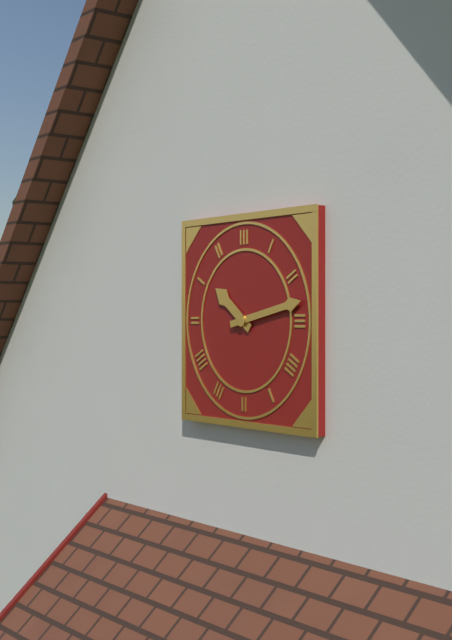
{"hour": 10, "minute": 13}
